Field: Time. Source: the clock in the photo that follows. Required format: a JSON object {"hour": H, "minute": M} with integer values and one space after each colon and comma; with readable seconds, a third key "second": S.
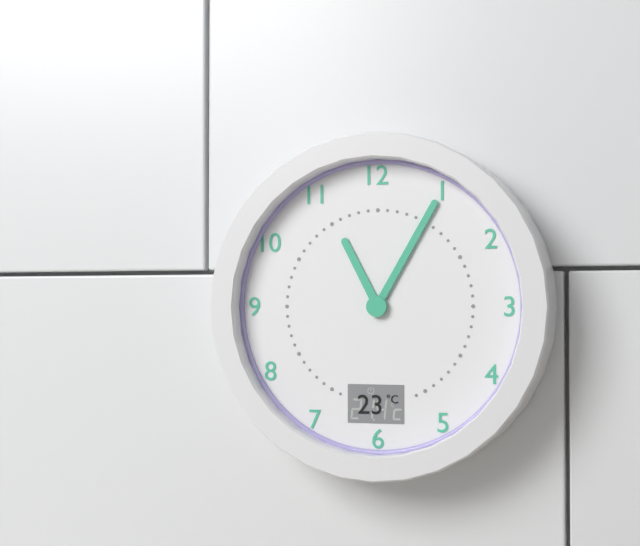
{"hour": 11, "minute": 5}
